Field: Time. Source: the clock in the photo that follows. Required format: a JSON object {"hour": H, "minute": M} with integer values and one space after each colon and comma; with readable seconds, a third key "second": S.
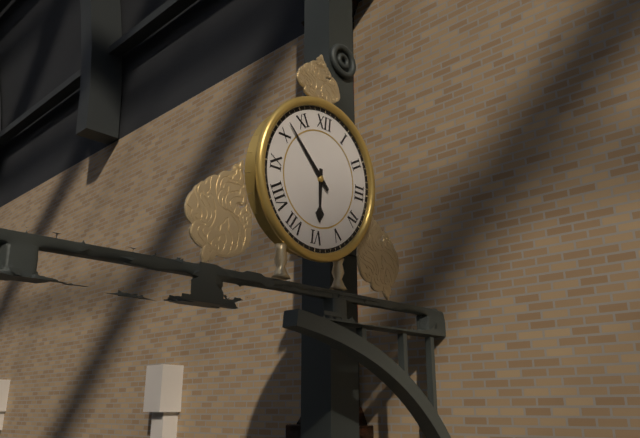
{"hour": 5, "minute": 52}
